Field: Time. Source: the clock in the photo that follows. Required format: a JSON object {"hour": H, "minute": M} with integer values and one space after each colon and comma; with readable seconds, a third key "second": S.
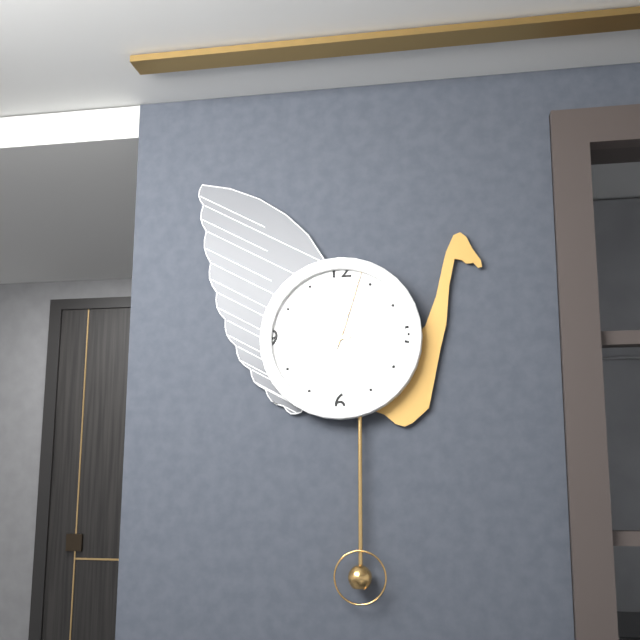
{"hour": 9, "minute": 3}
